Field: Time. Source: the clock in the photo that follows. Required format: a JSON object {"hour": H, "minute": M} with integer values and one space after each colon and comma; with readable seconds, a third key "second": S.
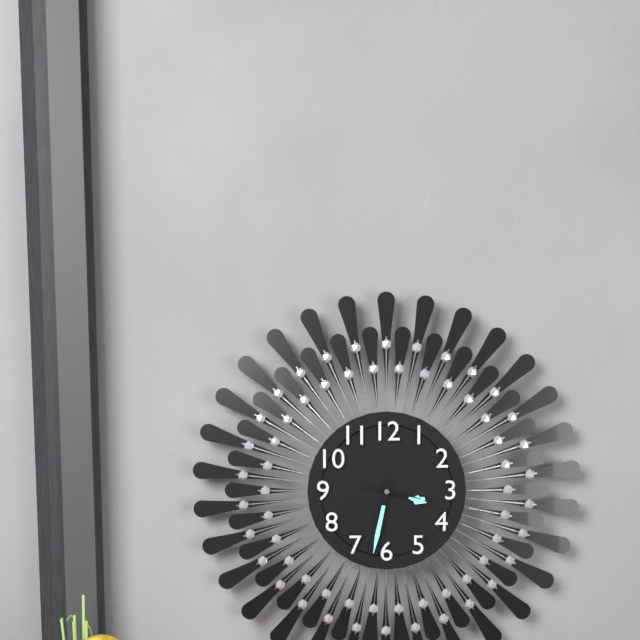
{"hour": 3, "minute": 32, "second": 17}
